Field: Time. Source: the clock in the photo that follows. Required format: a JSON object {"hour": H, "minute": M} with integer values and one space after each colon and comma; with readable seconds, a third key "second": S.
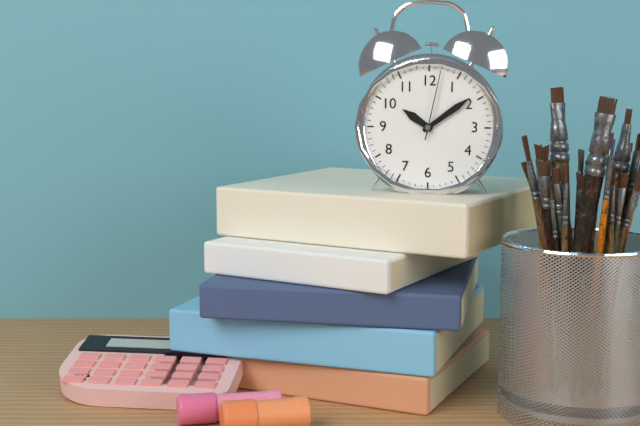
{"hour": 10, "minute": 9, "second": 2}
